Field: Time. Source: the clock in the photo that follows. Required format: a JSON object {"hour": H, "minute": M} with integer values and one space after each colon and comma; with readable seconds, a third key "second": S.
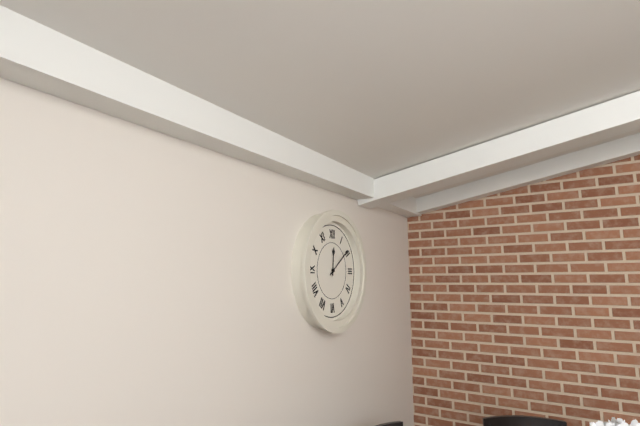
{"hour": 12, "minute": 9}
